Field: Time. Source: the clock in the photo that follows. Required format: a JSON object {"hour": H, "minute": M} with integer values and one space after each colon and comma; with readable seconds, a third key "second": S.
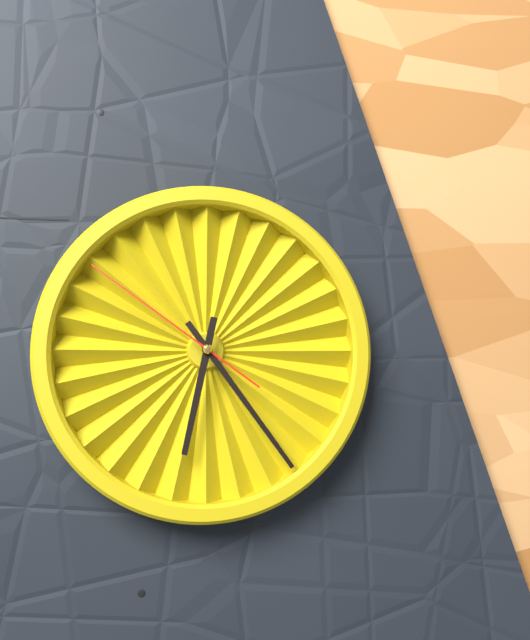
{"hour": 6, "minute": 24, "second": 51}
